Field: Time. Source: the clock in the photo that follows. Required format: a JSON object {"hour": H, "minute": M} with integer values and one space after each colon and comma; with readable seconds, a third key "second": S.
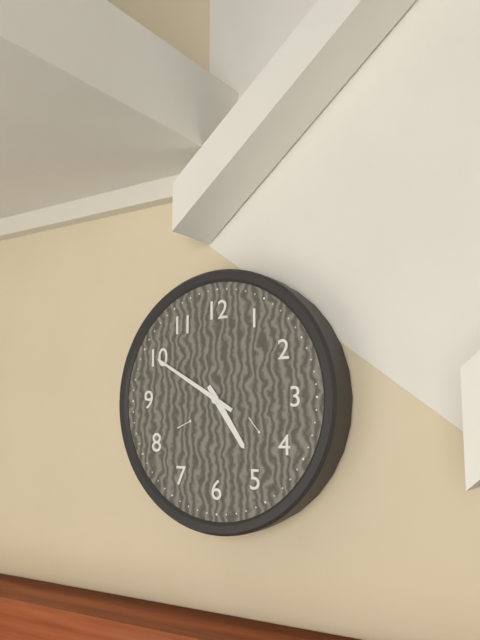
{"hour": 4, "minute": 50}
